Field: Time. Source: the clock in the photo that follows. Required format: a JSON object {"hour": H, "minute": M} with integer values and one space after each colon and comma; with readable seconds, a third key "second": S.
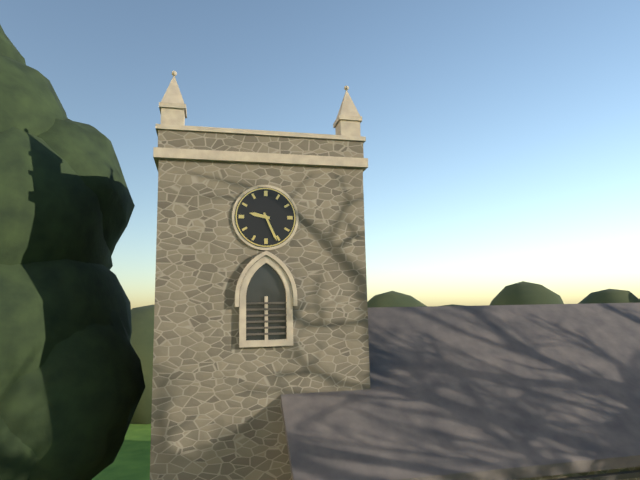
{"hour": 9, "minute": 26}
